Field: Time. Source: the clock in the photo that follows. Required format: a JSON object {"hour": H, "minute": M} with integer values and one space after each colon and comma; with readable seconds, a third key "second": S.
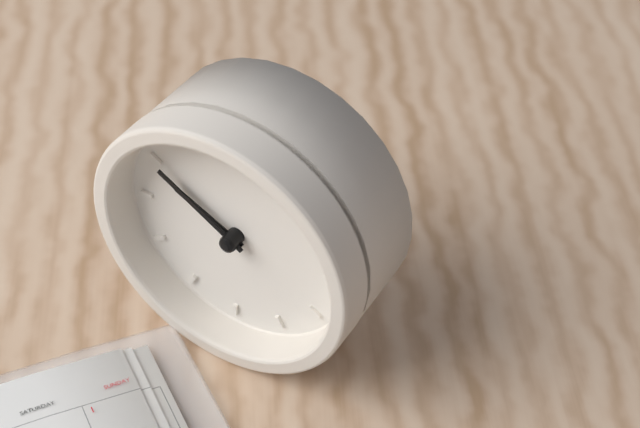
{"hour": 9, "minute": 50}
